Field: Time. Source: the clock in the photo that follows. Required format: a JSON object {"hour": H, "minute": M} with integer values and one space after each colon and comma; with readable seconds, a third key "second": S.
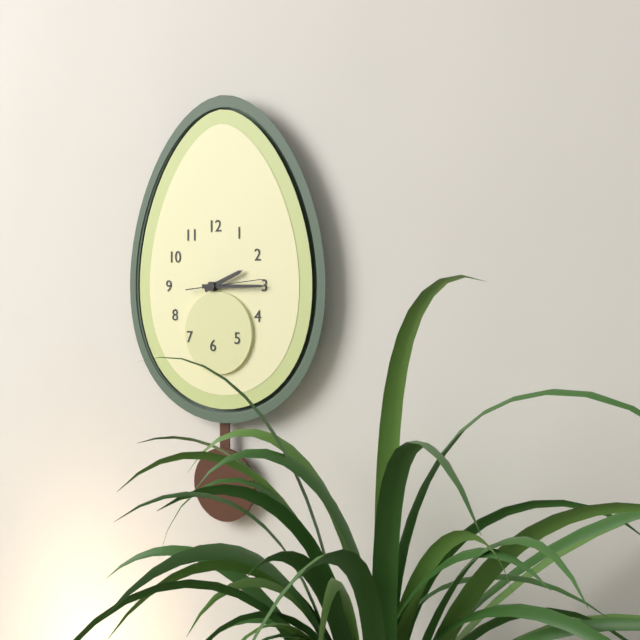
{"hour": 2, "minute": 15}
